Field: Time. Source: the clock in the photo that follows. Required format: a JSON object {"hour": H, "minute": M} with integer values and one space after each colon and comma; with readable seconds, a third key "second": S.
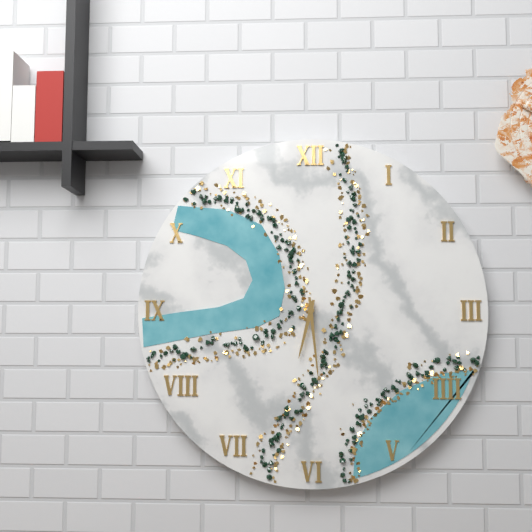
{"hour": 6, "minute": 29}
